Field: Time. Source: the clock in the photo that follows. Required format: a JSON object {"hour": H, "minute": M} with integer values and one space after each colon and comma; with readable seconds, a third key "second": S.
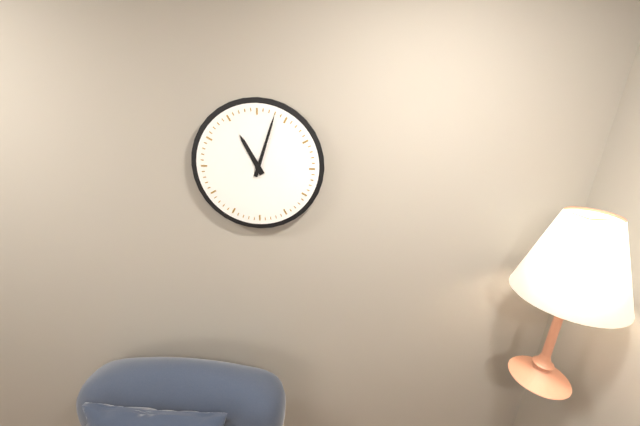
{"hour": 11, "minute": 3}
